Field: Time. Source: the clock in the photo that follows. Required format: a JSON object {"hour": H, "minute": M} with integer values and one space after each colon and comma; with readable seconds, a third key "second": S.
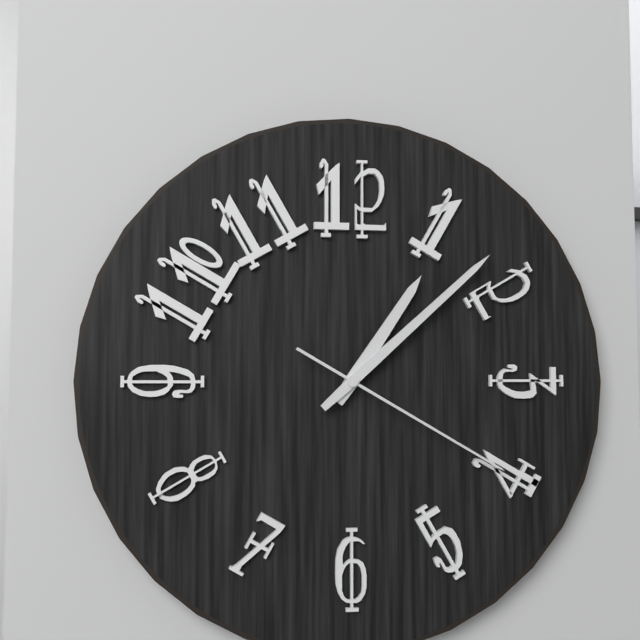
{"hour": 1, "minute": 8, "second": 20}
